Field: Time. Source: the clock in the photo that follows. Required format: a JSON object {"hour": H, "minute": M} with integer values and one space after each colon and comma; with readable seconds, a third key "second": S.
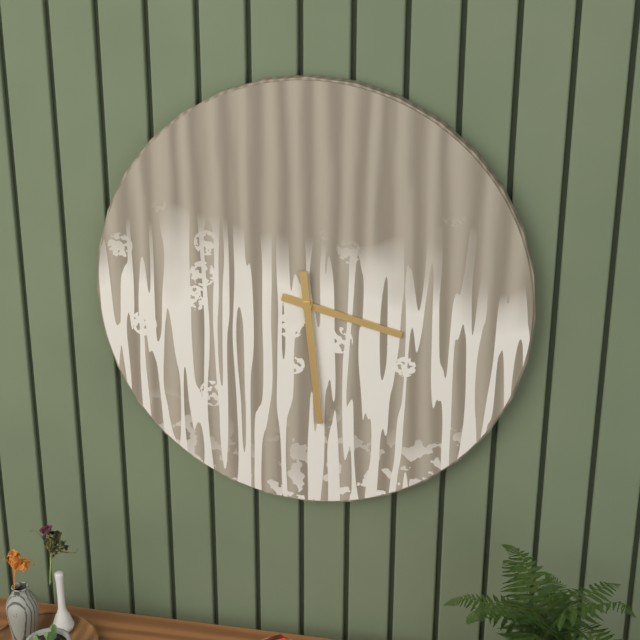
{"hour": 3, "minute": 29}
